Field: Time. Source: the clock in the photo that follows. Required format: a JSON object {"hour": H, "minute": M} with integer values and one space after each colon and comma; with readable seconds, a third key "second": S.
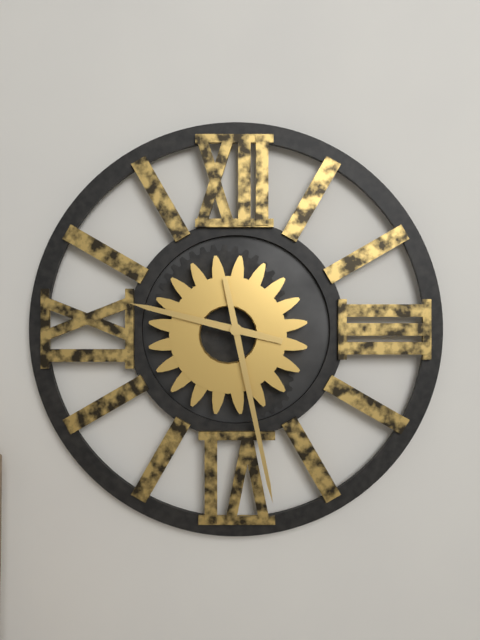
{"hour": 9, "minute": 28}
